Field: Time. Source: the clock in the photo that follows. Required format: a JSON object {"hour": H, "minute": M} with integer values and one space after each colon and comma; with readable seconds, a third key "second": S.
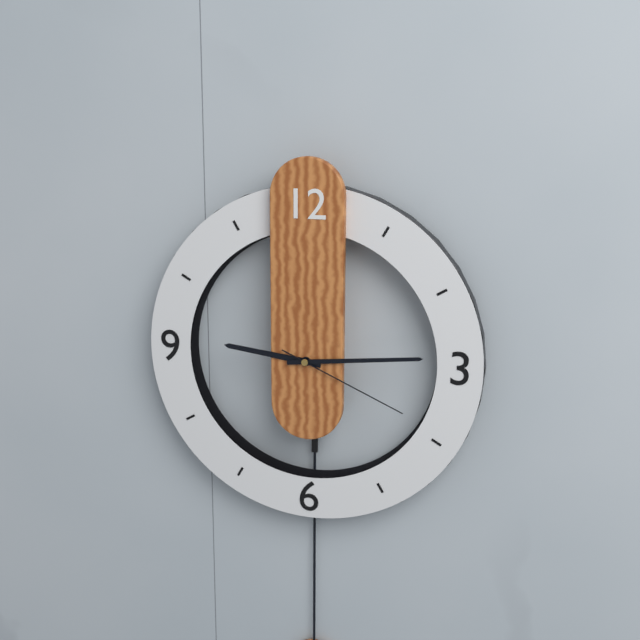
{"hour": 9, "minute": 14, "second": 19}
